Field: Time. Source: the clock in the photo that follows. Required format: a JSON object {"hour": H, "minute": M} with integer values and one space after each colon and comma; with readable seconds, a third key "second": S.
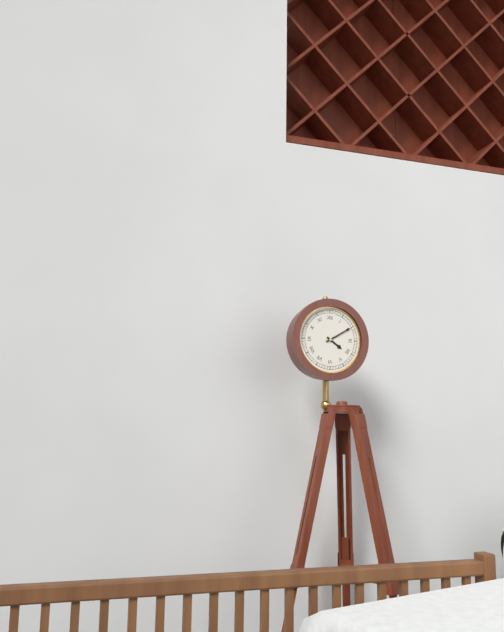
{"hour": 4, "minute": 10}
